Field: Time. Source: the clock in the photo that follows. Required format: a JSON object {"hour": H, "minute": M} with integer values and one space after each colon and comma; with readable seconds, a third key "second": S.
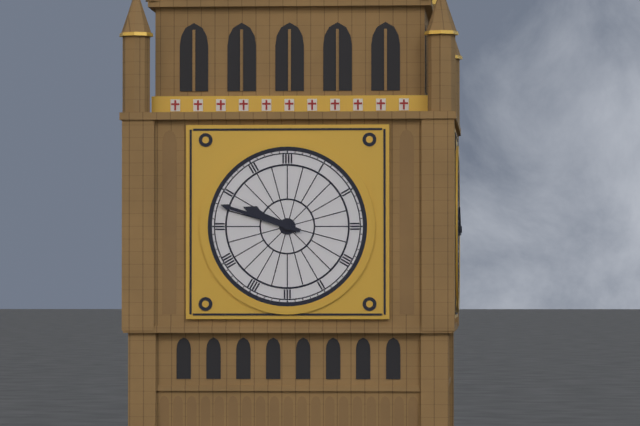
{"hour": 9, "minute": 48}
